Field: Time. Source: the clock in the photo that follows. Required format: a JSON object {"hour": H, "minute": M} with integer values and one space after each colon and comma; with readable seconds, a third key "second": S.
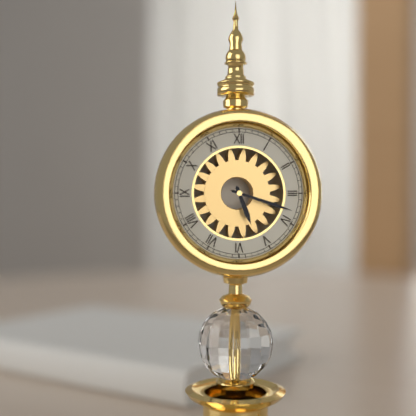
{"hour": 5, "minute": 18}
